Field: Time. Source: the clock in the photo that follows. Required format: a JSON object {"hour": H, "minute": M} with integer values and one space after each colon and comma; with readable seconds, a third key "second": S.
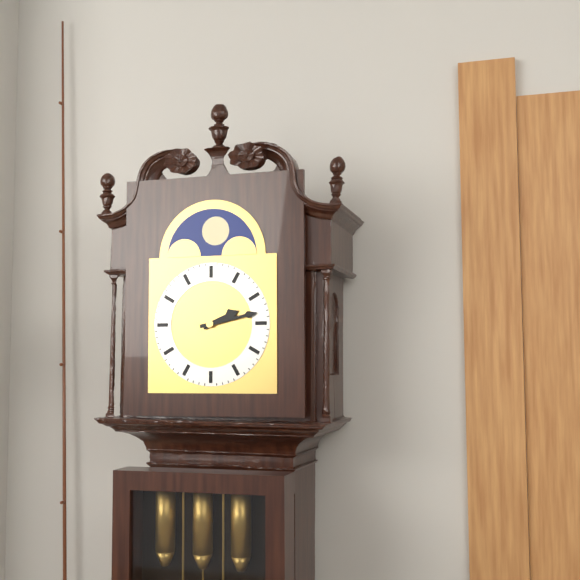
{"hour": 2, "minute": 13}
